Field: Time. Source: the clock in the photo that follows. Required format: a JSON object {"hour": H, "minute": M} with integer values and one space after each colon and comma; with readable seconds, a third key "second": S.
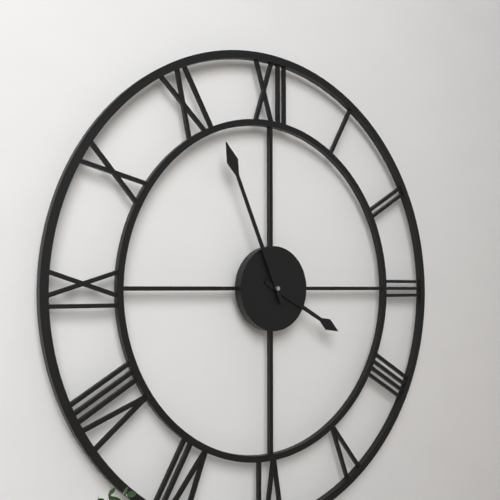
{"hour": 3, "minute": 56}
